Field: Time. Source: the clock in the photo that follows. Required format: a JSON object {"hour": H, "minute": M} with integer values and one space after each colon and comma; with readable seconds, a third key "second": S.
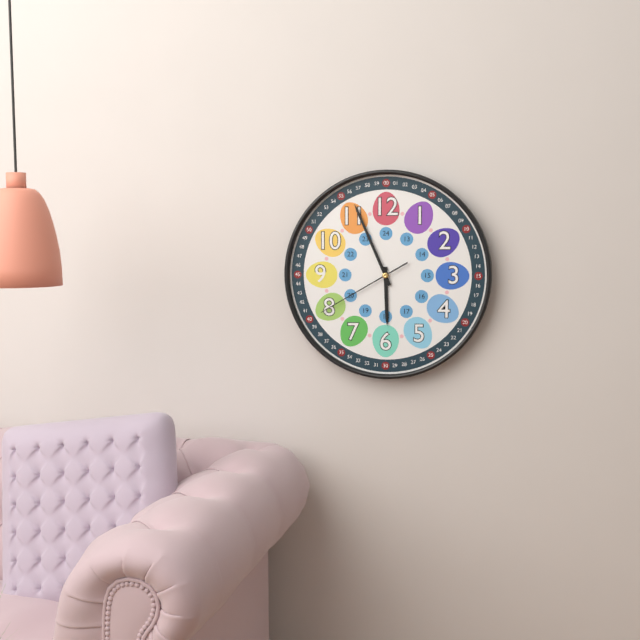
{"hour": 5, "minute": 56, "second": 40}
